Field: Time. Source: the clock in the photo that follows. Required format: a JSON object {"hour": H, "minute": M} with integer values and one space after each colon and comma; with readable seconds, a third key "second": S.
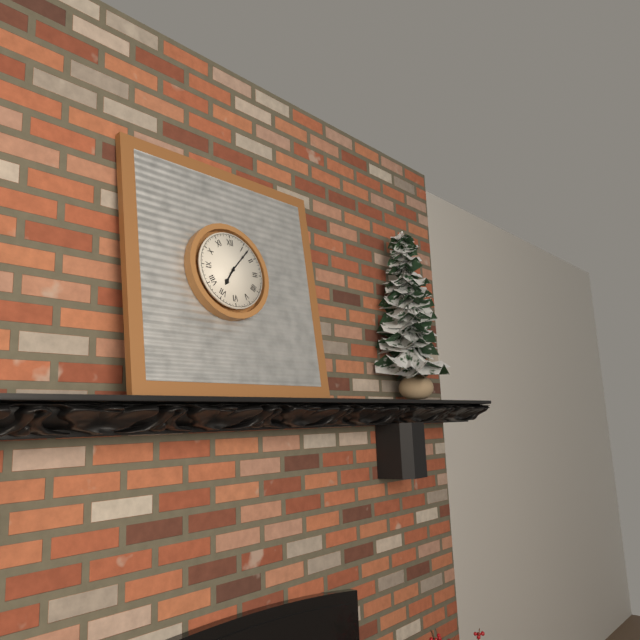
{"hour": 7, "minute": 7}
